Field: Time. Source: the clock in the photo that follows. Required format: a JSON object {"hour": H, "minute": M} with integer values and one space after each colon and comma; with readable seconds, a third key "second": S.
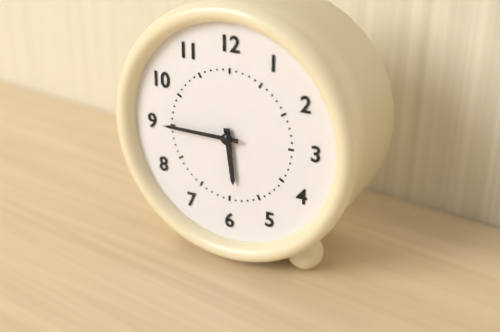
{"hour": 5, "minute": 45}
